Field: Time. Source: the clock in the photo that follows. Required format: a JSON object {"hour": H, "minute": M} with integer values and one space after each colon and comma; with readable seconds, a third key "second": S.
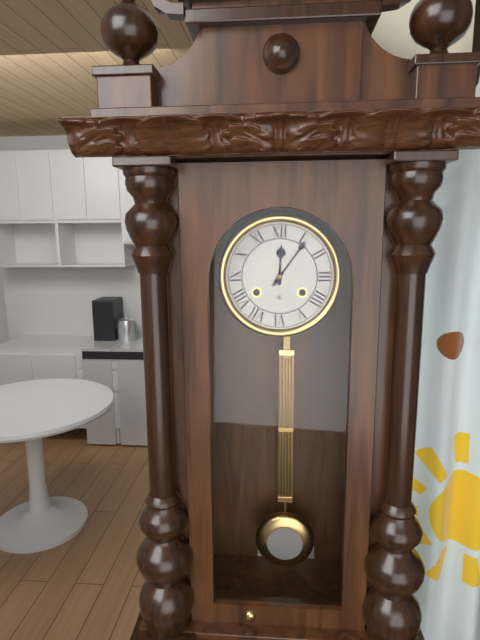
{"hour": 12, "minute": 6}
